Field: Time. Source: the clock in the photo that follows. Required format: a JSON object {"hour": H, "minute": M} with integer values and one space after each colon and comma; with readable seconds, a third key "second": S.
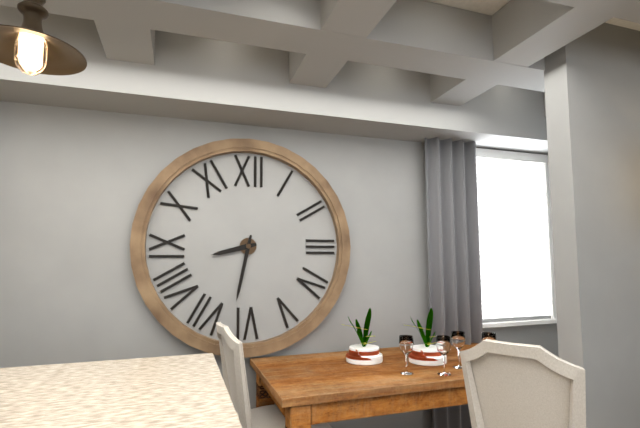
{"hour": 8, "minute": 32}
